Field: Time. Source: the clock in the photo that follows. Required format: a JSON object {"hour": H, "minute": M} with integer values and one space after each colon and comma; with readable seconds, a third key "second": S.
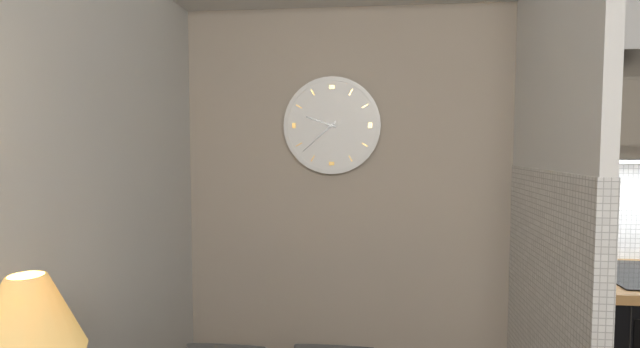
{"hour": 9, "minute": 38}
